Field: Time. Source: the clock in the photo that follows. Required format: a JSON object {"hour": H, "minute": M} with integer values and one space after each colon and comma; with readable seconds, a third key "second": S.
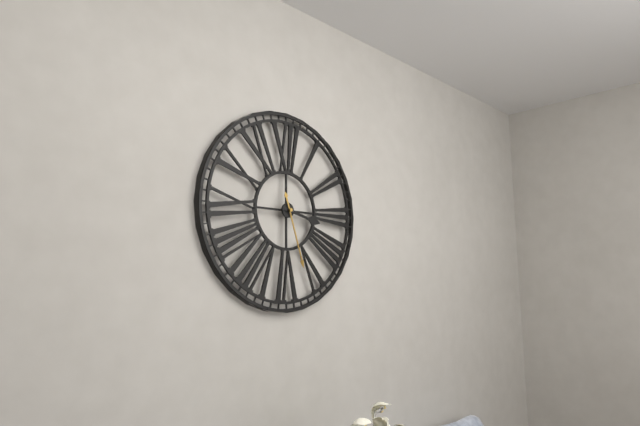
{"hour": 3, "minute": 27}
